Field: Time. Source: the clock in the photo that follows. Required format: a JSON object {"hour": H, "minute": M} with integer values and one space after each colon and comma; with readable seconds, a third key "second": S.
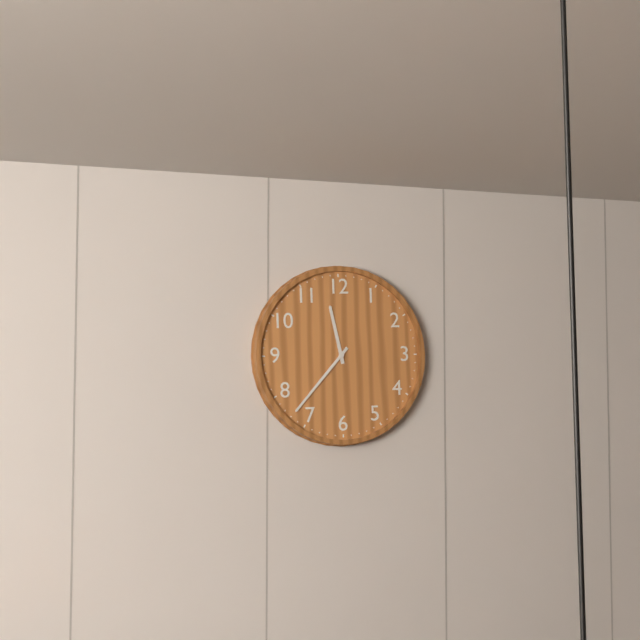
{"hour": 11, "minute": 37}
